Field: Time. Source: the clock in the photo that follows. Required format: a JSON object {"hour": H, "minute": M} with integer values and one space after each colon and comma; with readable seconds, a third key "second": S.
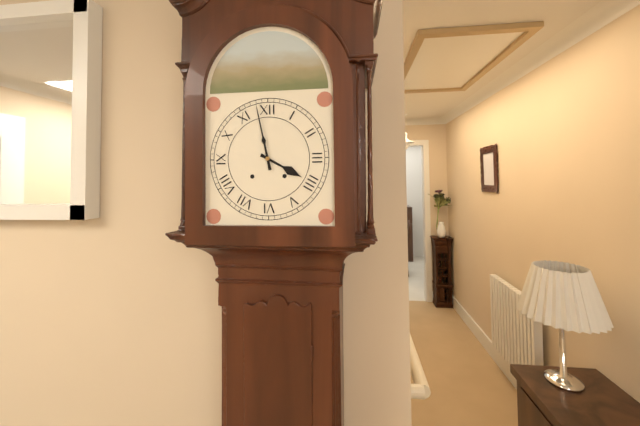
{"hour": 3, "minute": 58}
